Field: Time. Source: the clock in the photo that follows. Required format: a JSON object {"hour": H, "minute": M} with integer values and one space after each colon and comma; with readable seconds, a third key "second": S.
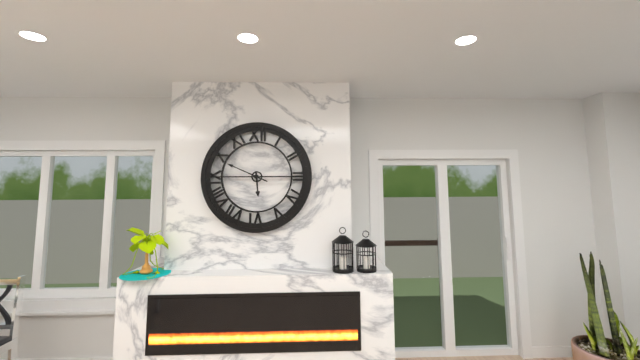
{"hour": 5, "minute": 49}
